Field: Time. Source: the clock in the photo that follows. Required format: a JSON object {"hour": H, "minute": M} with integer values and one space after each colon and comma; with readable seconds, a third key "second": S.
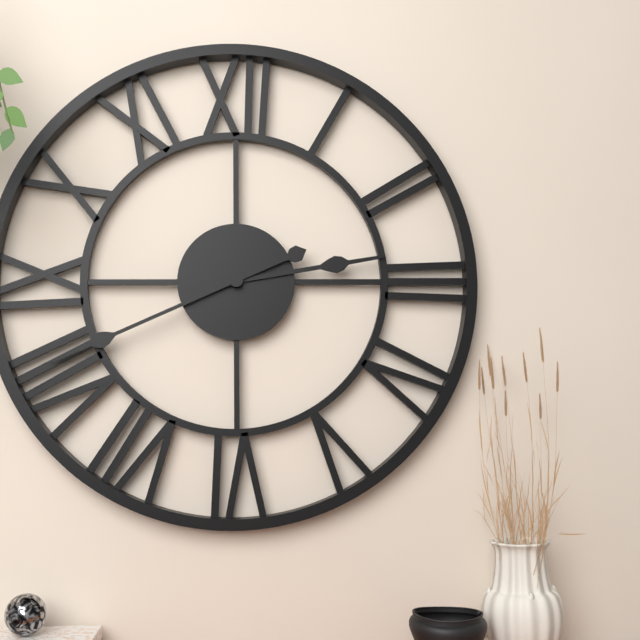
{"hour": 2, "minute": 41}
